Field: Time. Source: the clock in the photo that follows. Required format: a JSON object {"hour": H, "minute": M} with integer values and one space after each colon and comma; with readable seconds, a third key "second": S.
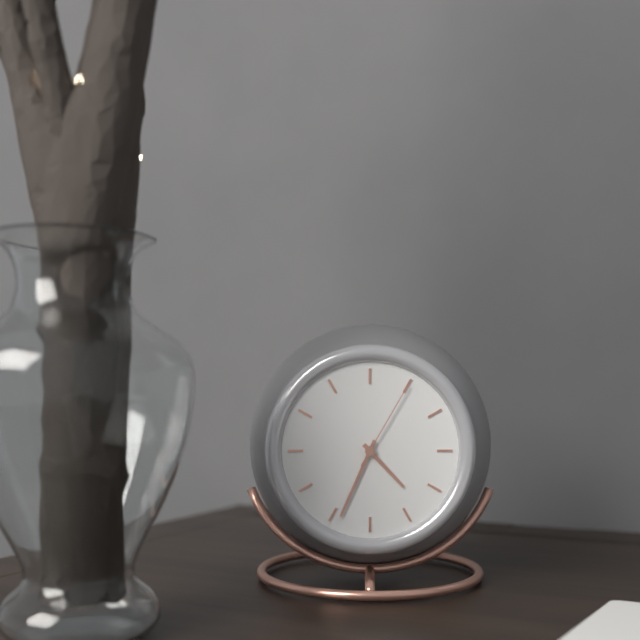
{"hour": 4, "minute": 34, "second": 5}
